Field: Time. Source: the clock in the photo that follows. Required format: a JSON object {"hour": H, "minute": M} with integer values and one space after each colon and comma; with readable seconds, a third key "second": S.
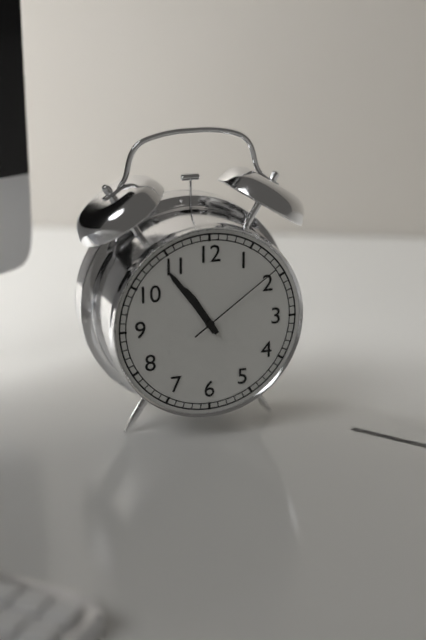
{"hour": 10, "minute": 54, "second": 9}
